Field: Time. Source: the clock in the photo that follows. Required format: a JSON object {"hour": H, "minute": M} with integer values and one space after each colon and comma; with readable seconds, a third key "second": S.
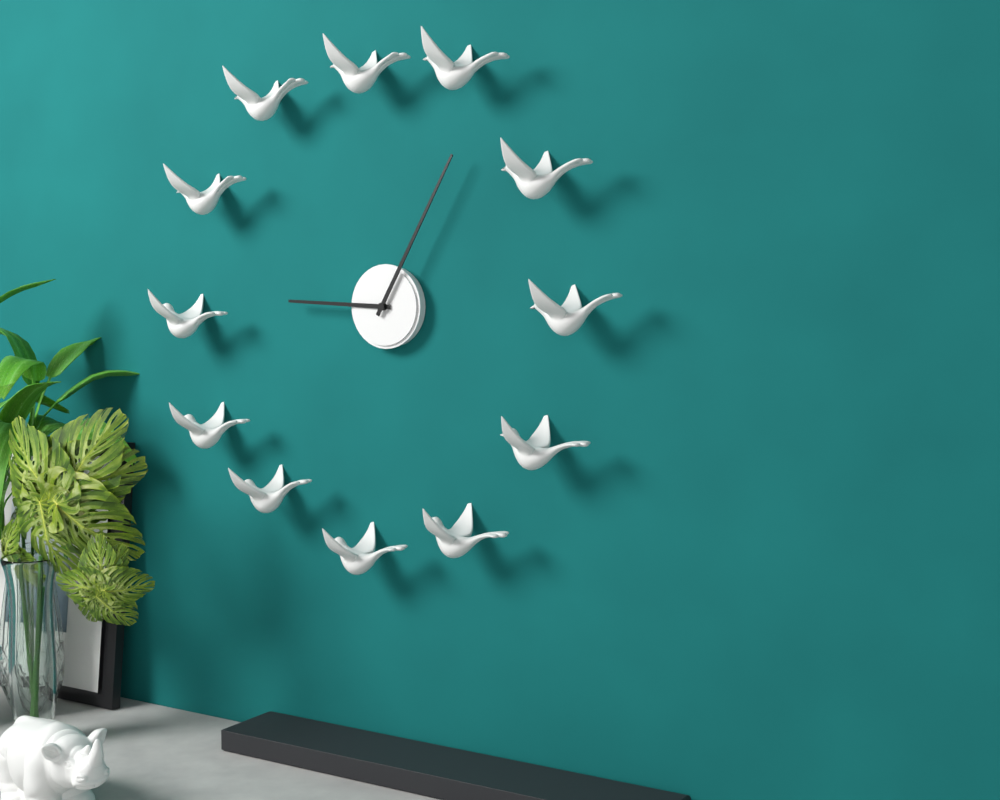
{"hour": 9, "minute": 5}
